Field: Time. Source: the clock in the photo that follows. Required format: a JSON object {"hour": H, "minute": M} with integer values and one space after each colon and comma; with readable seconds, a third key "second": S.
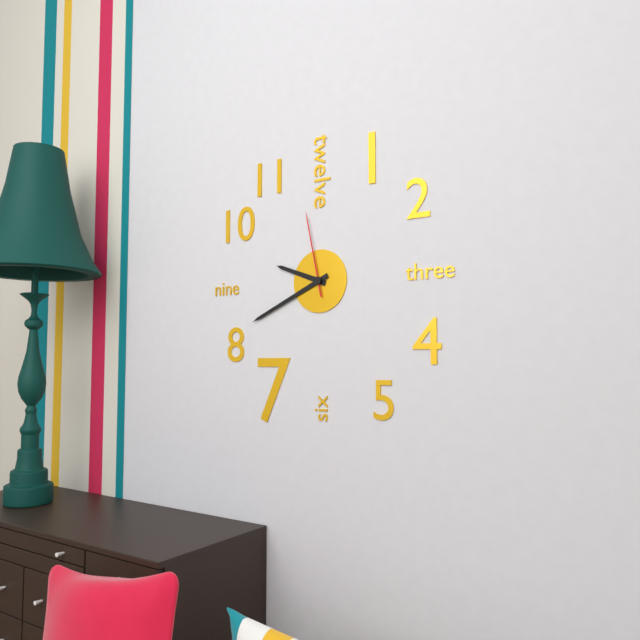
{"hour": 9, "minute": 41, "second": 58}
